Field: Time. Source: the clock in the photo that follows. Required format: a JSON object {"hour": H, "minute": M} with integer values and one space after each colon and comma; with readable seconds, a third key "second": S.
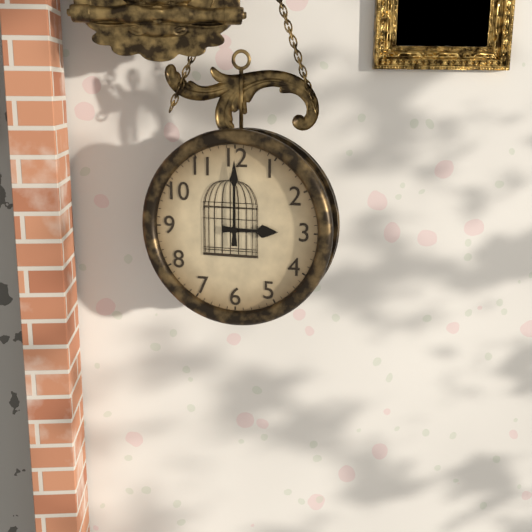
{"hour": 3, "minute": 0}
